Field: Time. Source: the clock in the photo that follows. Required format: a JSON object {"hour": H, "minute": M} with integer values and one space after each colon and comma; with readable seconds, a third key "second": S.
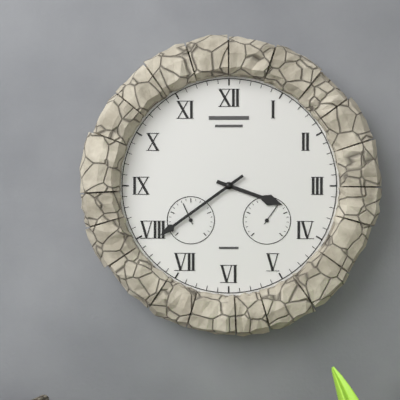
{"hour": 3, "minute": 39}
